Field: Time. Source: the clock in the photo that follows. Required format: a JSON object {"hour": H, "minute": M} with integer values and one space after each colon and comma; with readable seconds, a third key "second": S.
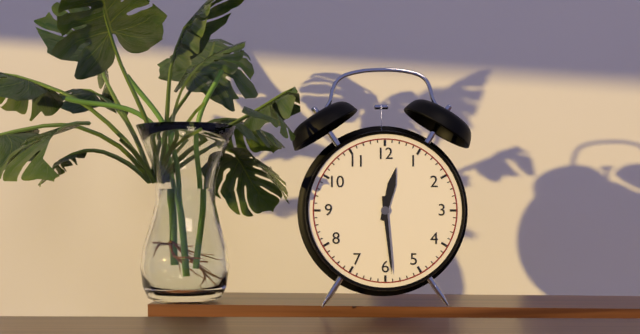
{"hour": 12, "minute": 29}
